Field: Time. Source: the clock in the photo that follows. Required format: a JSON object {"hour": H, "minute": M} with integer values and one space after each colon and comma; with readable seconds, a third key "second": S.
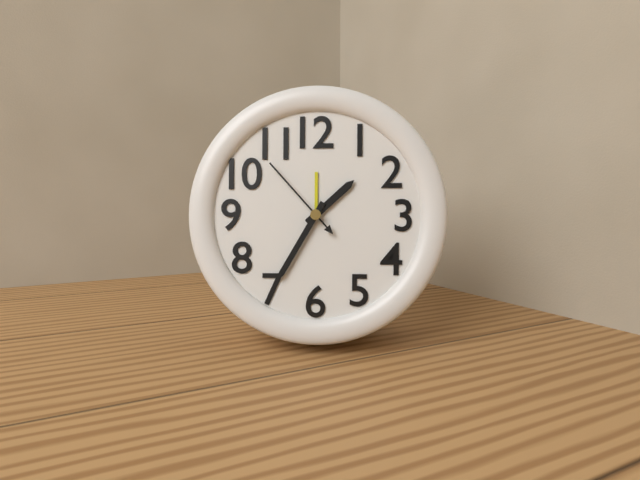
{"hour": 1, "minute": 35, "second": 53}
